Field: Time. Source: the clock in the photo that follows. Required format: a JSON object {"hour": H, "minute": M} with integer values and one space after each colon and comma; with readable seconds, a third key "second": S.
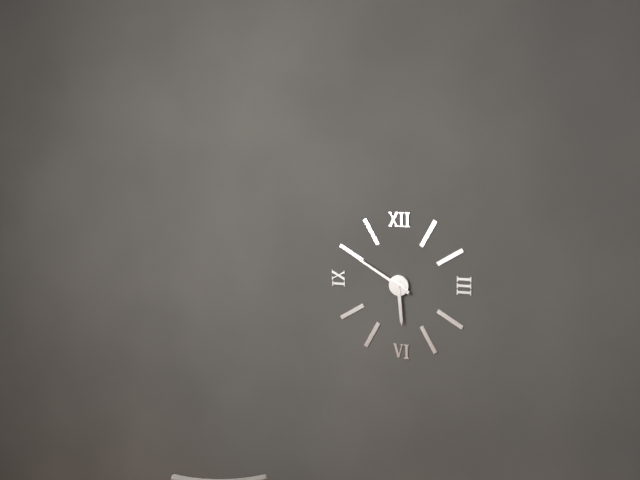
{"hour": 5, "minute": 50}
